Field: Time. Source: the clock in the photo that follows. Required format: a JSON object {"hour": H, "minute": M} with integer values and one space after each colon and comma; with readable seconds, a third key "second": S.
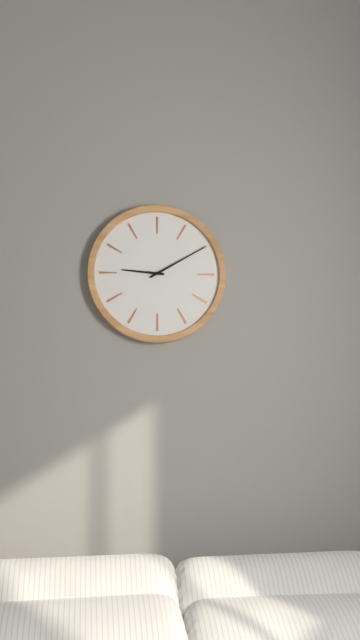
{"hour": 9, "minute": 10}
